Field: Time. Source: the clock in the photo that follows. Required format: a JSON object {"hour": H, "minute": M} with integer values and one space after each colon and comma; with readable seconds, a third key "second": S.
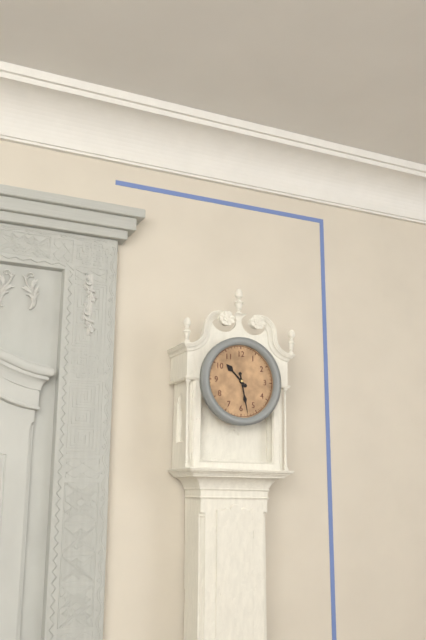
{"hour": 10, "minute": 28}
